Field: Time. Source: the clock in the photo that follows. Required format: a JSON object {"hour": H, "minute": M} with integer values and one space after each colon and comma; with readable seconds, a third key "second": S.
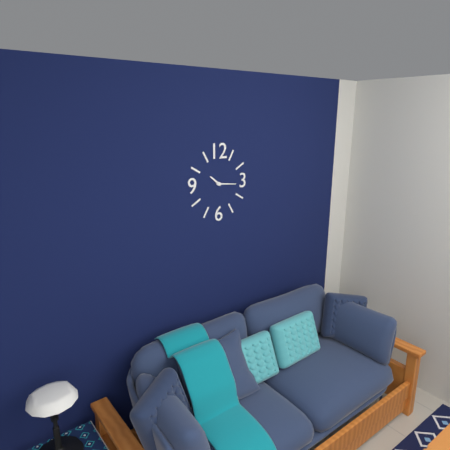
{"hour": 10, "minute": 16}
